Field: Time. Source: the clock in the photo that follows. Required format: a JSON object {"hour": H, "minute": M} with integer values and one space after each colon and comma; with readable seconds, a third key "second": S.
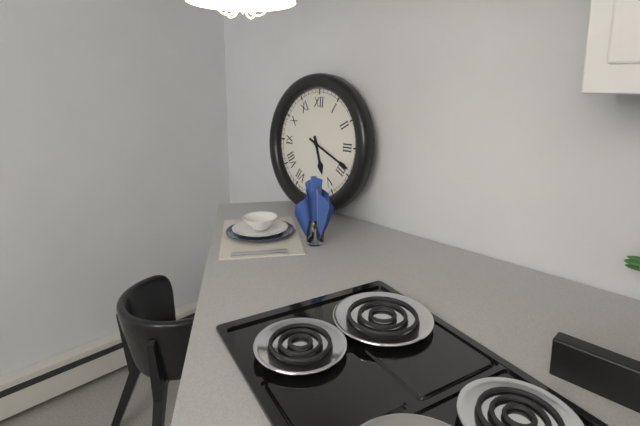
{"hour": 5, "minute": 19}
